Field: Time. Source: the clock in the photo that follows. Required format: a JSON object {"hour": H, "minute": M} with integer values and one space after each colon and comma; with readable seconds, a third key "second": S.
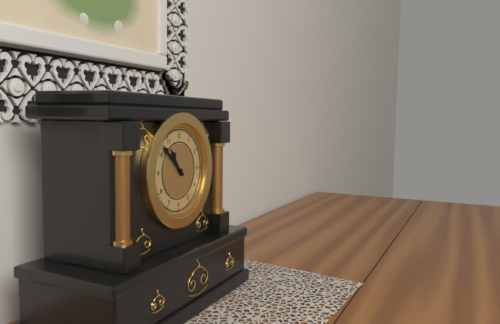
{"hour": 10, "minute": 52}
